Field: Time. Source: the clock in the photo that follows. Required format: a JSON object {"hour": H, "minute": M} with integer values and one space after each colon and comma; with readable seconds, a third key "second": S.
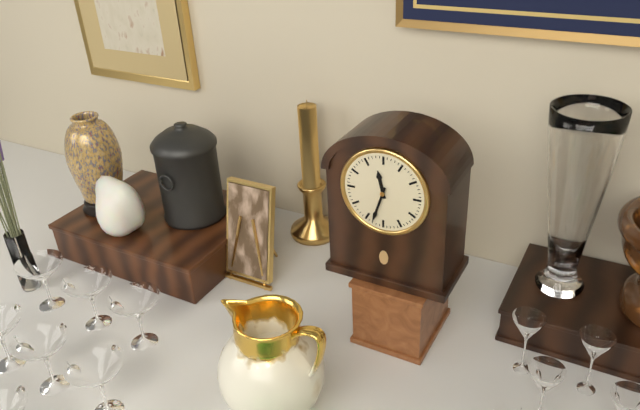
{"hour": 11, "minute": 33}
